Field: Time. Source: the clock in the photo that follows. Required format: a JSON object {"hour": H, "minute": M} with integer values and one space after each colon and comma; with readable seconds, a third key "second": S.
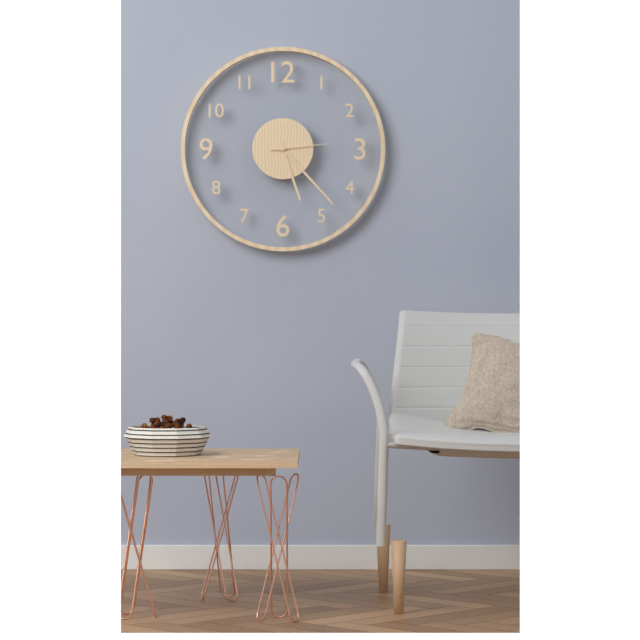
{"hour": 5, "minute": 23, "second": 14}
